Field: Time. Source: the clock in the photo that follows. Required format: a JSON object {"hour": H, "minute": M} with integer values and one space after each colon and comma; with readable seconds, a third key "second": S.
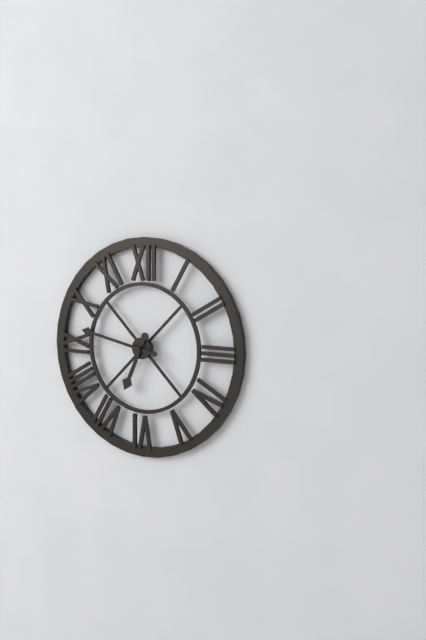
{"hour": 6, "minute": 47}
